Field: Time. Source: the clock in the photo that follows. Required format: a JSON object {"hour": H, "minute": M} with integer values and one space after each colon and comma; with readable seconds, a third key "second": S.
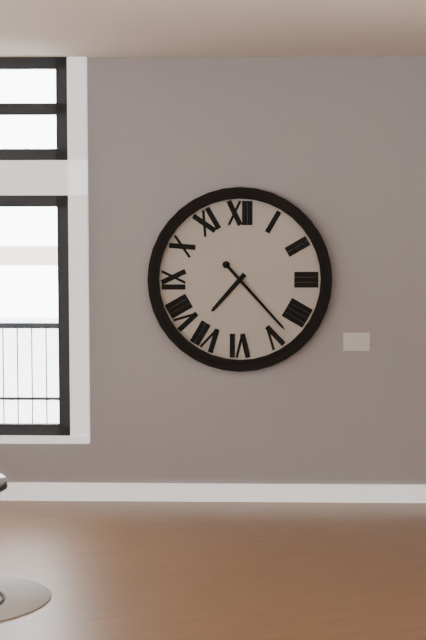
{"hour": 7, "minute": 23}
